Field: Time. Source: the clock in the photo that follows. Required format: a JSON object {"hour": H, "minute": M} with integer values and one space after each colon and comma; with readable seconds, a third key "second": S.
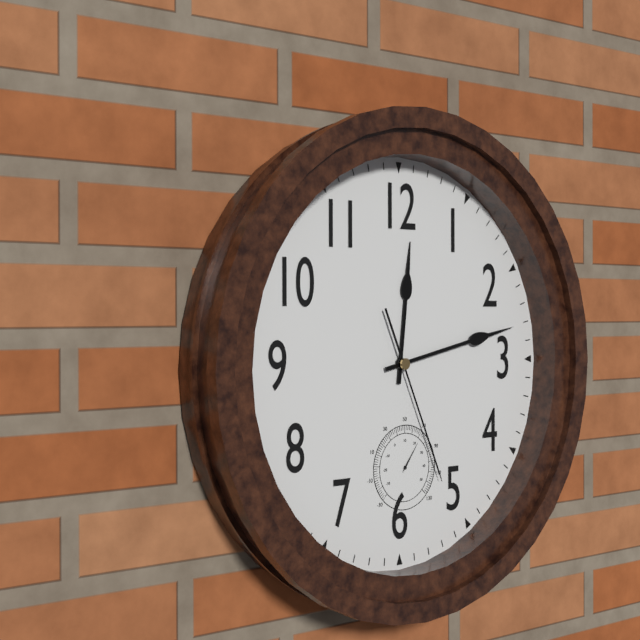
{"hour": 12, "minute": 13, "second": 26}
